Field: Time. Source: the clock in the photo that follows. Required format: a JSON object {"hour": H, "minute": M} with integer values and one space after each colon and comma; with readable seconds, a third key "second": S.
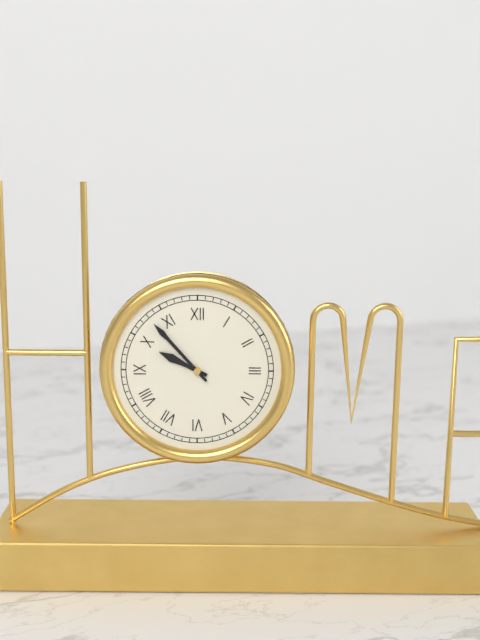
{"hour": 9, "minute": 53}
